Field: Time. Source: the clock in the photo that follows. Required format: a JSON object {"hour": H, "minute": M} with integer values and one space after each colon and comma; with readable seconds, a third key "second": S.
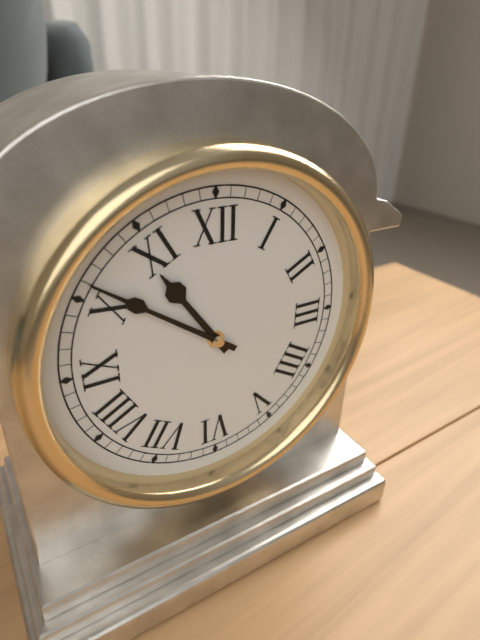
{"hour": 10, "minute": 51}
